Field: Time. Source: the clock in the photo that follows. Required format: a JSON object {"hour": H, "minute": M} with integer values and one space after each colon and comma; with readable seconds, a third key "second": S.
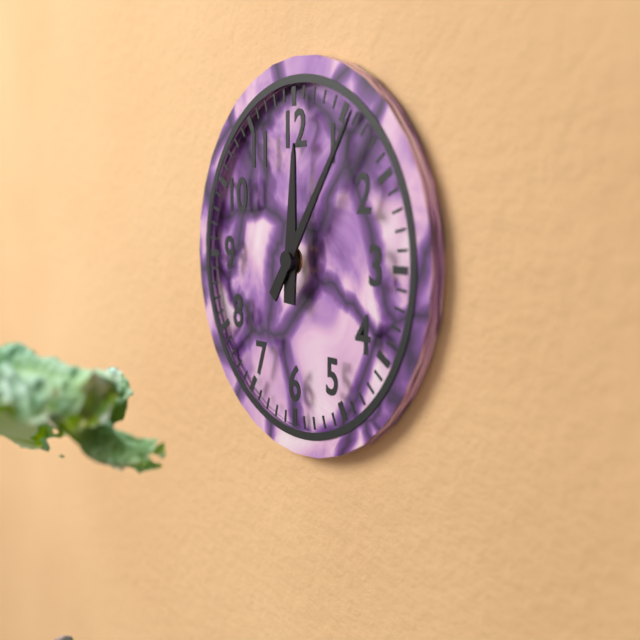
{"hour": 12, "minute": 6}
